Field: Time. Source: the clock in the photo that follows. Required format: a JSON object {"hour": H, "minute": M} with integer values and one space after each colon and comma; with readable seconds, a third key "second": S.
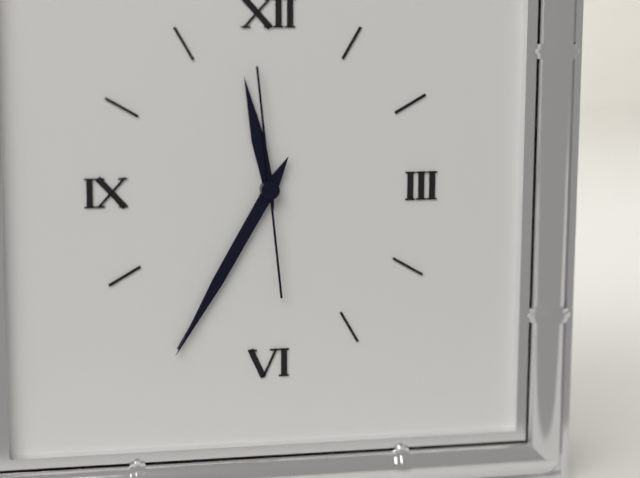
{"hour": 11, "minute": 35, "second": 59}
